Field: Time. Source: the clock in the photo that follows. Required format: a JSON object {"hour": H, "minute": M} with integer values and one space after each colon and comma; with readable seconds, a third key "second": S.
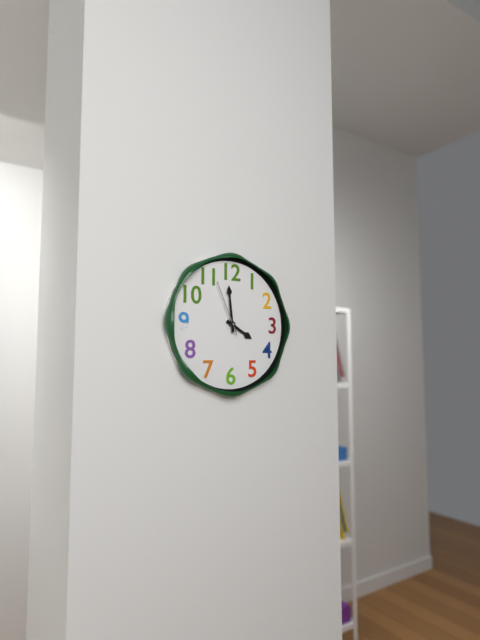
{"hour": 3, "minute": 59, "second": 56}
